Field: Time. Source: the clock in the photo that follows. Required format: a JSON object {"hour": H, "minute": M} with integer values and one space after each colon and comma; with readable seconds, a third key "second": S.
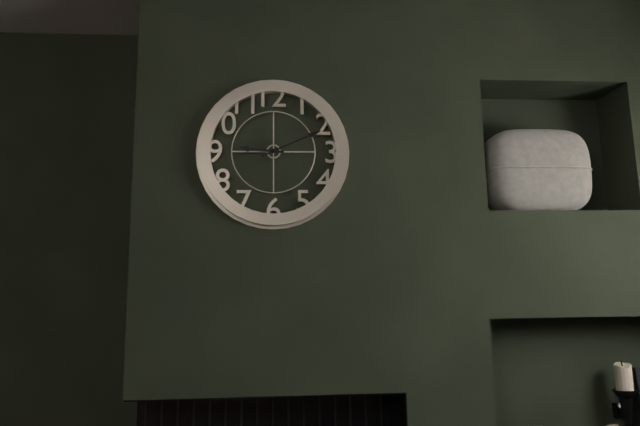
{"hour": 9, "minute": 11}
